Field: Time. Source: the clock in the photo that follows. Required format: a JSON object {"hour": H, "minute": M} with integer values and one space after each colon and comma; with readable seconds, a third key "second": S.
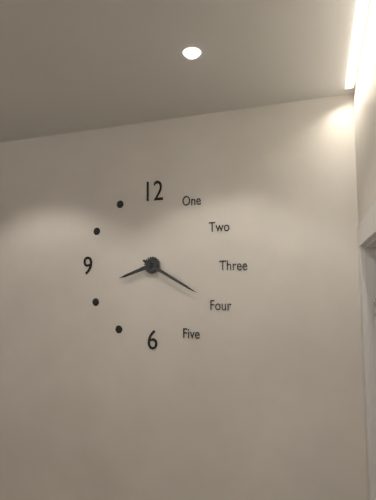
{"hour": 8, "minute": 20}
